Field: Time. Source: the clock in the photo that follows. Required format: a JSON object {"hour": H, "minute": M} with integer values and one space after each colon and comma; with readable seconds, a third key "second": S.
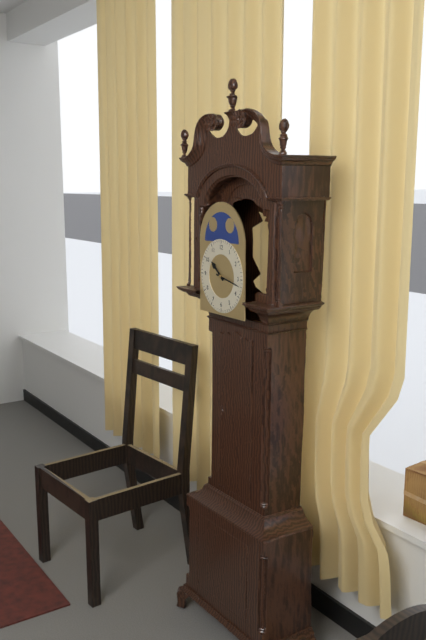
{"hour": 10, "minute": 17}
